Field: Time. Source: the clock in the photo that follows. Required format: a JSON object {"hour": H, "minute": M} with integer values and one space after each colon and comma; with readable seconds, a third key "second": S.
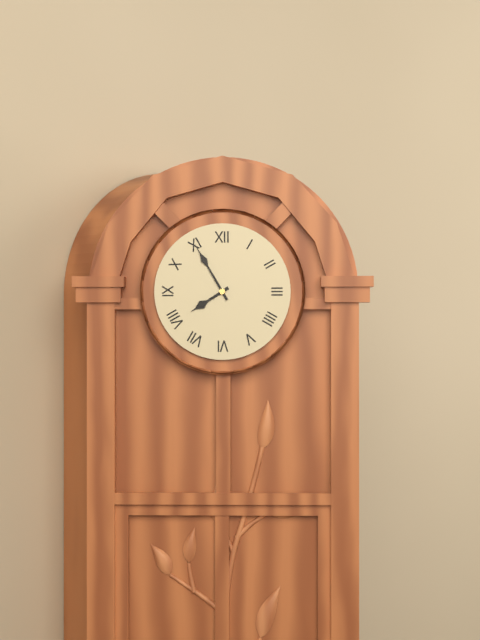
{"hour": 7, "minute": 55}
